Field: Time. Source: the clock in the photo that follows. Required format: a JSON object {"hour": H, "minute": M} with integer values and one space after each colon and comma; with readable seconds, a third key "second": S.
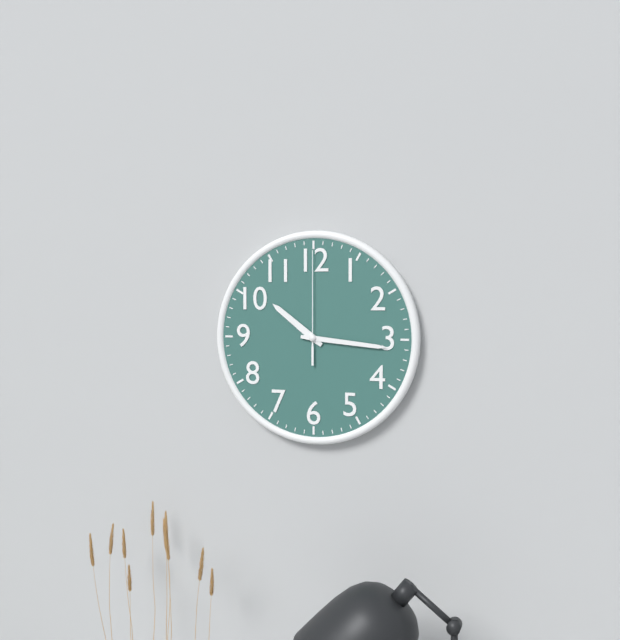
{"hour": 10, "minute": 16, "second": 0}
